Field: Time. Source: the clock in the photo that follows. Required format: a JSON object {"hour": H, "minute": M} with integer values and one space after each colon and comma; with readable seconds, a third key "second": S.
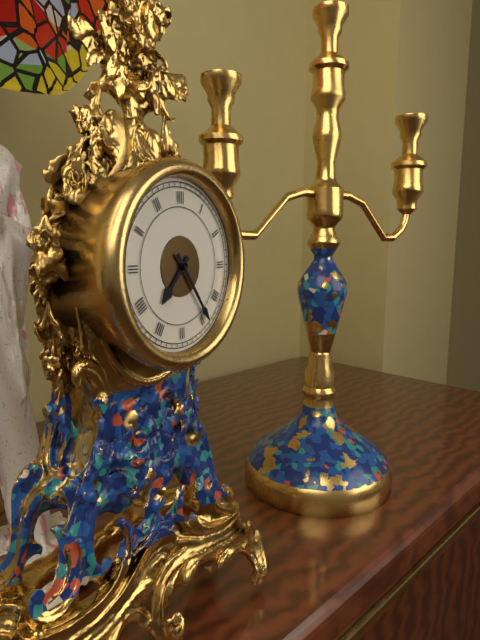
{"hour": 7, "minute": 24}
